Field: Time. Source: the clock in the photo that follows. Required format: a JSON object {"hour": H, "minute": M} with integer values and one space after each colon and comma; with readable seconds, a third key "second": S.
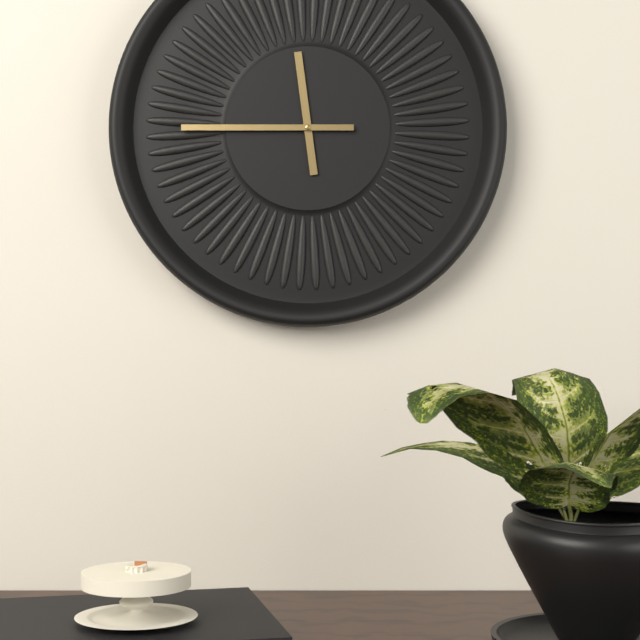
{"hour": 11, "minute": 45}
